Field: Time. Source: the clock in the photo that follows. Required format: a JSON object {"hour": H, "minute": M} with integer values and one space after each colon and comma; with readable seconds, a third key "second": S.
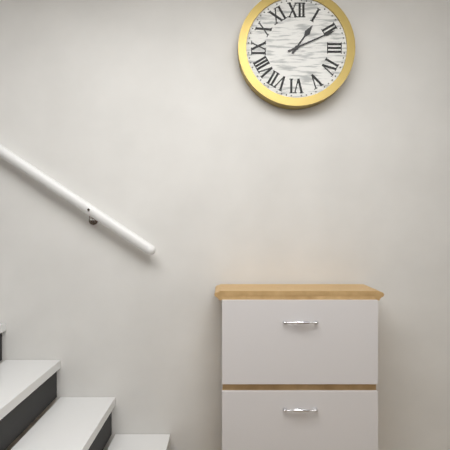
{"hour": 1, "minute": 11}
